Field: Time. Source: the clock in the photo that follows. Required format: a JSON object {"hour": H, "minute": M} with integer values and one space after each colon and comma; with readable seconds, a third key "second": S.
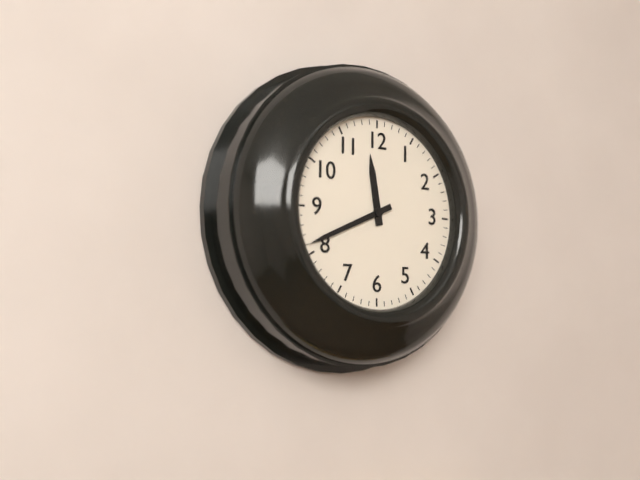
{"hour": 11, "minute": 41}
